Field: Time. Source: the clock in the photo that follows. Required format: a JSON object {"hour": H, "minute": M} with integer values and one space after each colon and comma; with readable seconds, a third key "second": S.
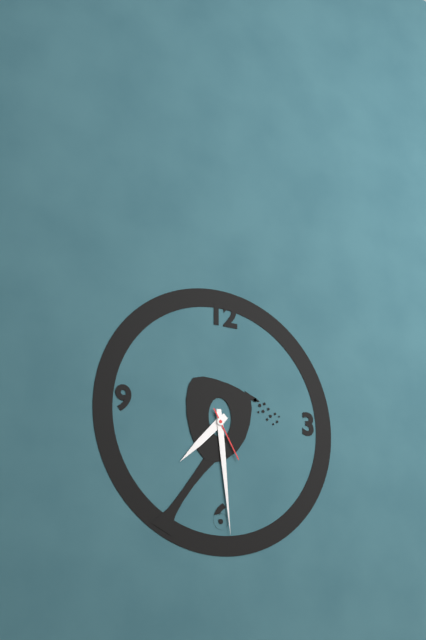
{"hour": 7, "minute": 29, "second": 25}
